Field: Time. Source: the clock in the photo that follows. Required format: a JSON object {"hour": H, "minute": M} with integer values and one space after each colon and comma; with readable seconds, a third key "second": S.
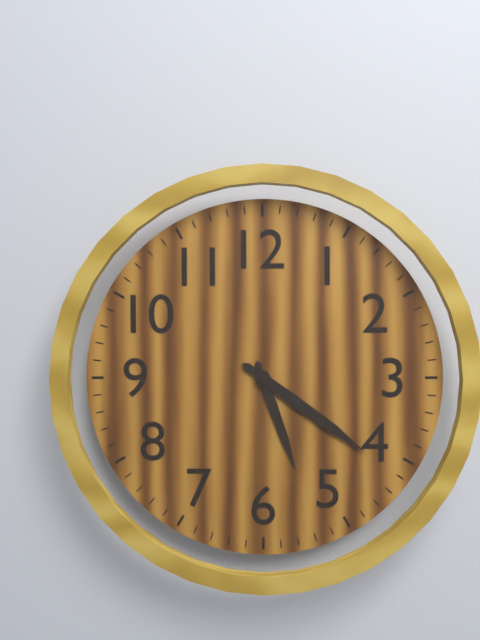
{"hour": 5, "minute": 21}
